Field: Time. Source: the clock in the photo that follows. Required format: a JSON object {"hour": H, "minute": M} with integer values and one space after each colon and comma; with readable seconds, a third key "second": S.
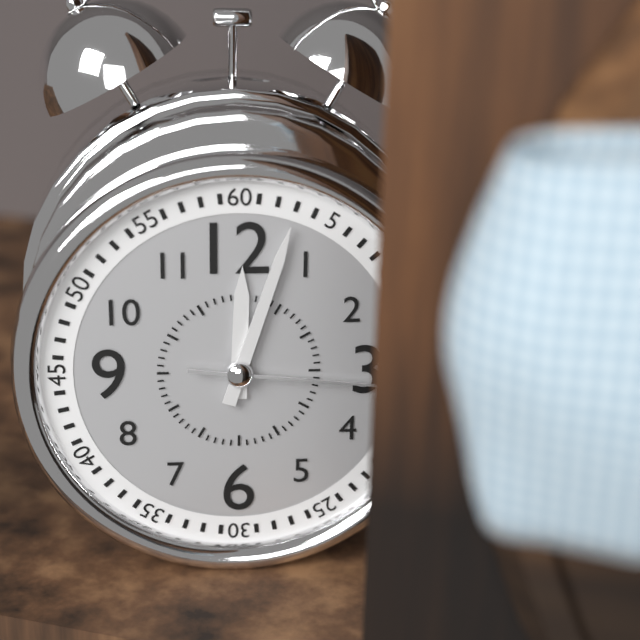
{"hour": 12, "minute": 3, "second": 16}
